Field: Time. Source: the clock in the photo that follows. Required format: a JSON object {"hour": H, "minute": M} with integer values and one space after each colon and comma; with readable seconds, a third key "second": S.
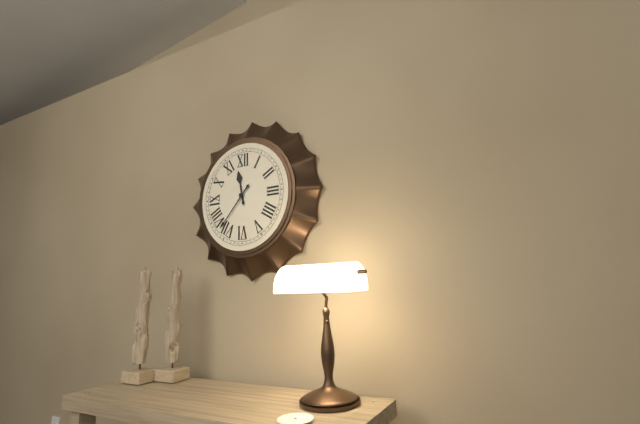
{"hour": 11, "minute": 37}
